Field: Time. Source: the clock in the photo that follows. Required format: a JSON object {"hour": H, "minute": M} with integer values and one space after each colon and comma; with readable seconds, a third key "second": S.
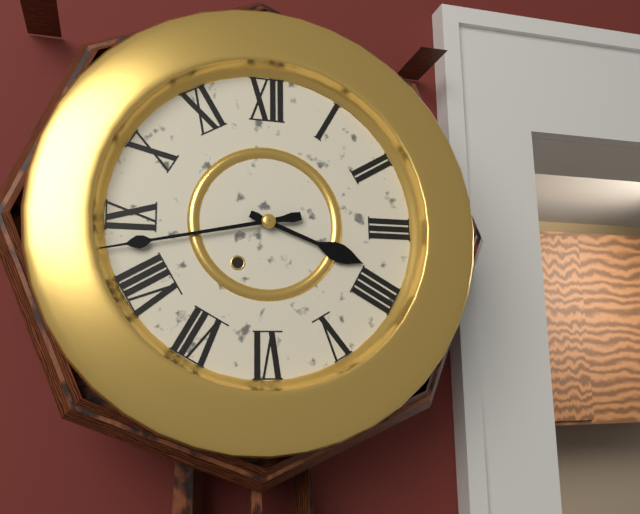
{"hour": 3, "minute": 43}
